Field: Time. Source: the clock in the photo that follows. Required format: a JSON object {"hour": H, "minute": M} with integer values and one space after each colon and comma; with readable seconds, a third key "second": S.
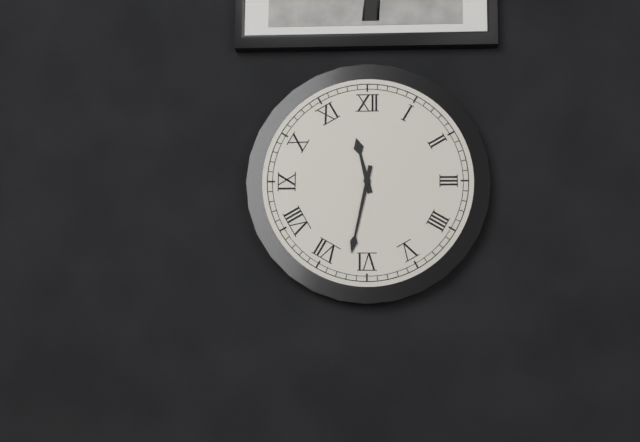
{"hour": 11, "minute": 32}
